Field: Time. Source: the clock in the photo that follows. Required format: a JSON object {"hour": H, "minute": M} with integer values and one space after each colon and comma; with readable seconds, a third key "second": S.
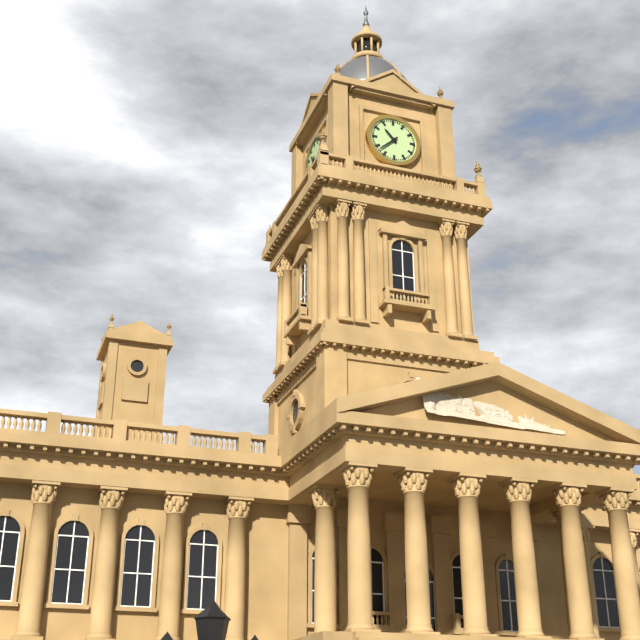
{"hour": 10, "minute": 38}
